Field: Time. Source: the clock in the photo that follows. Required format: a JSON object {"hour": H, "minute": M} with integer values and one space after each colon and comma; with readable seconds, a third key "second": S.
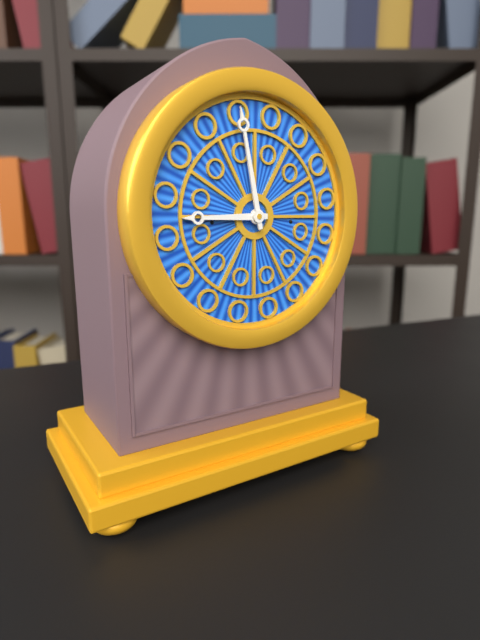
{"hour": 8, "minute": 58}
